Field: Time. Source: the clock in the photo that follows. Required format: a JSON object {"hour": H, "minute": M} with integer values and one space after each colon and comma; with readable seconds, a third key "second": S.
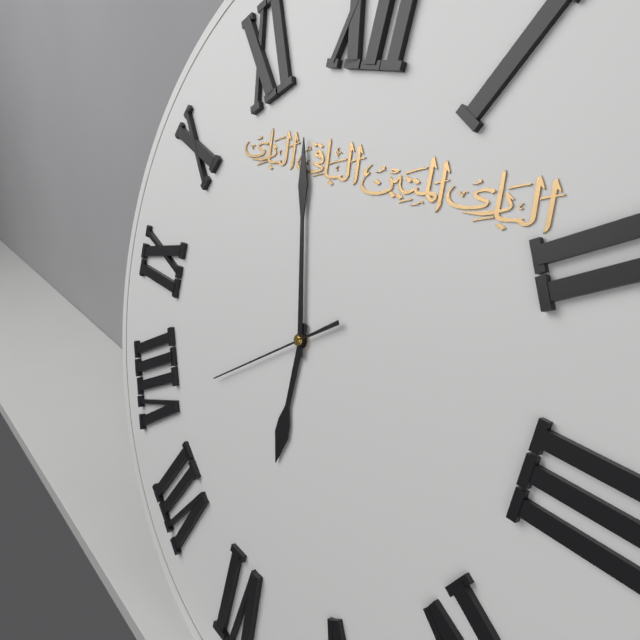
{"hour": 5, "minute": 57, "second": 39}
